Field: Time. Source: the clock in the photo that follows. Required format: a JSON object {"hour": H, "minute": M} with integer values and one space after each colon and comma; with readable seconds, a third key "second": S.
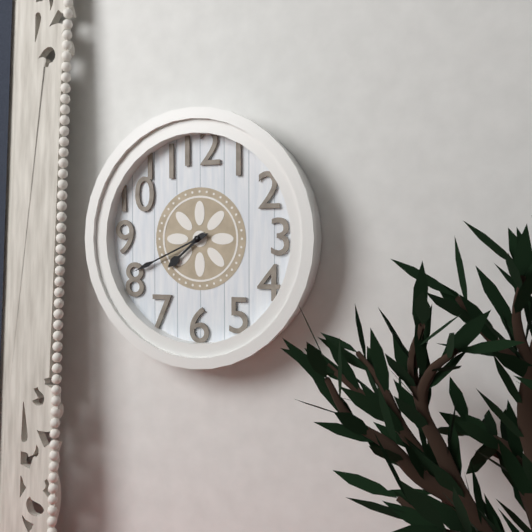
{"hour": 7, "minute": 41}
